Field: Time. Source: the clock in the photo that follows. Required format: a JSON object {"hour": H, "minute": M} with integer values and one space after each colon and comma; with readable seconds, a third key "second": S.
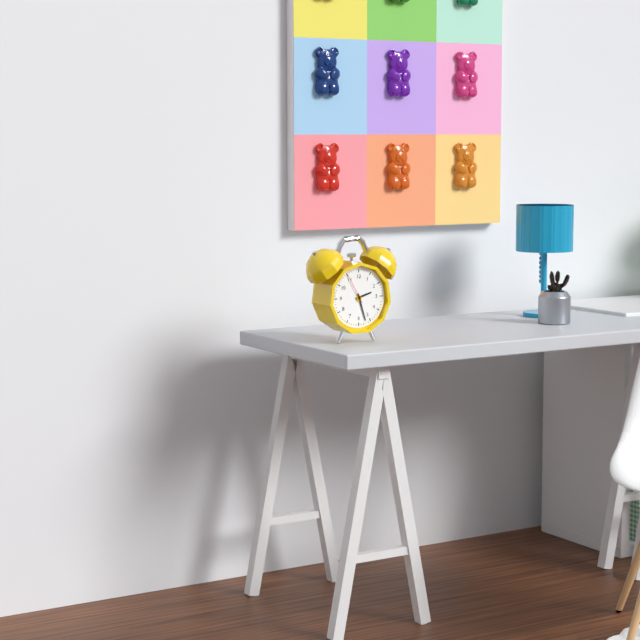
{"hour": 2, "minute": 27}
